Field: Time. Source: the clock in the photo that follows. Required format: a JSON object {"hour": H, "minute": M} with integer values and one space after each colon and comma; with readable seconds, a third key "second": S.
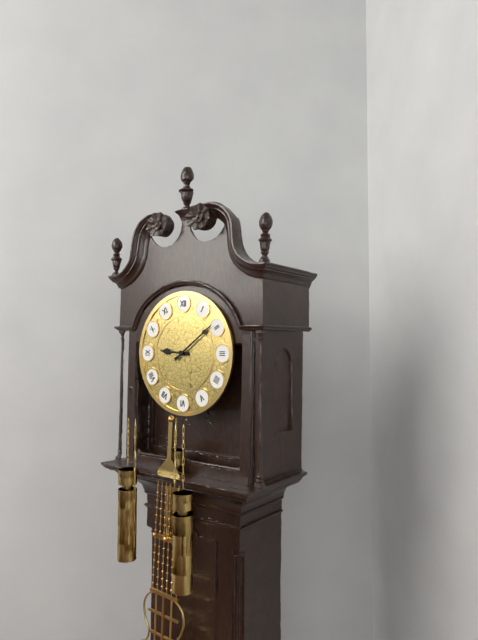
{"hour": 9, "minute": 9}
